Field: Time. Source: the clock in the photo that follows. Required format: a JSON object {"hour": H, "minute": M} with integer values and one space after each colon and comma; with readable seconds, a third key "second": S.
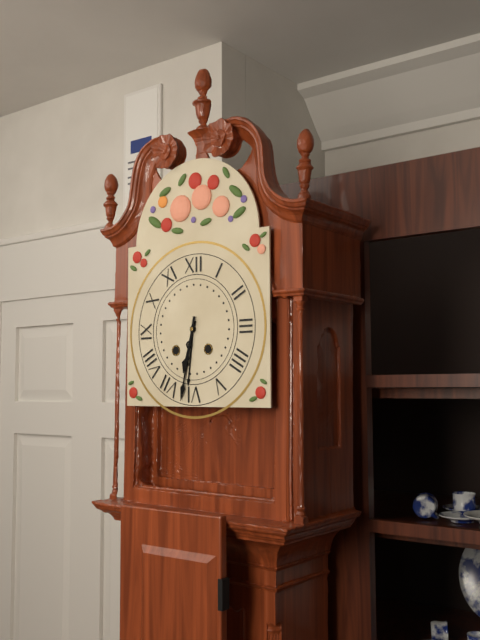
{"hour": 6, "minute": 32}
